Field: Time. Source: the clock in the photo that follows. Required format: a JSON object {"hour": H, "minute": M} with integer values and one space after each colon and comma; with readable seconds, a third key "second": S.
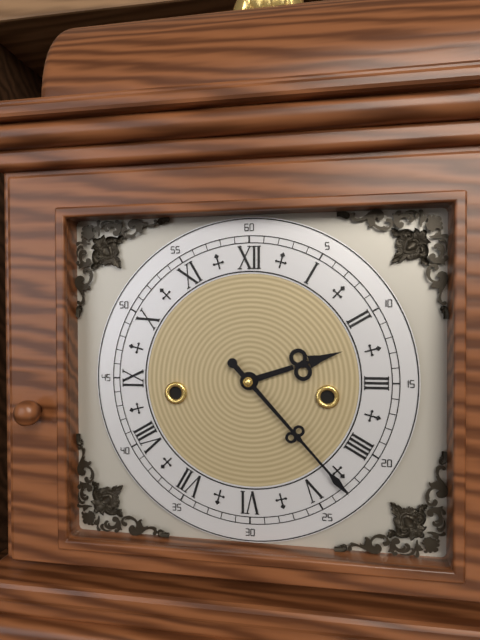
{"hour": 2, "minute": 23}
